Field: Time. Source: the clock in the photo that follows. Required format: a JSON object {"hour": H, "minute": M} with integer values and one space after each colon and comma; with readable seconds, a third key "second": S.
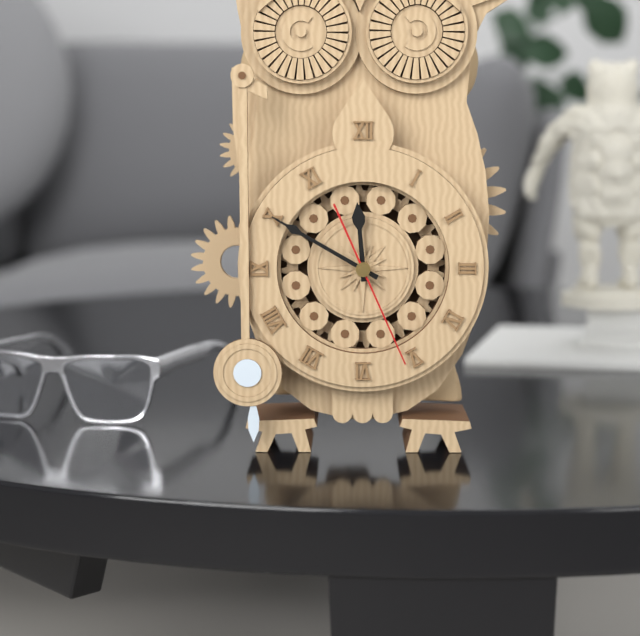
{"hour": 11, "minute": 50, "second": 26}
